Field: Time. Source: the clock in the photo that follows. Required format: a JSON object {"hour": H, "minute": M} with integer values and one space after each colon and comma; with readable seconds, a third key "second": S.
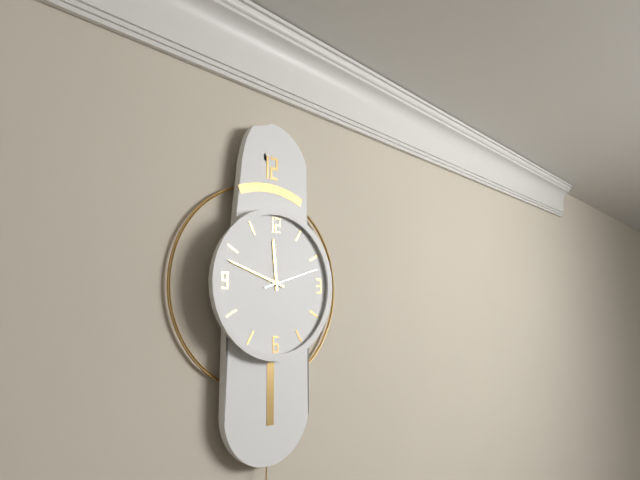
{"hour": 11, "minute": 48, "second": 12}
